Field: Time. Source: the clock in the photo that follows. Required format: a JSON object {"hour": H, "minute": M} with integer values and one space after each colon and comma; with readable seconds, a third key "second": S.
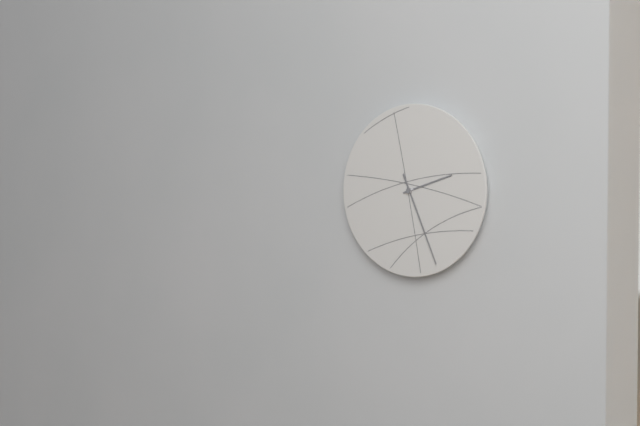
{"hour": 2, "minute": 26}
